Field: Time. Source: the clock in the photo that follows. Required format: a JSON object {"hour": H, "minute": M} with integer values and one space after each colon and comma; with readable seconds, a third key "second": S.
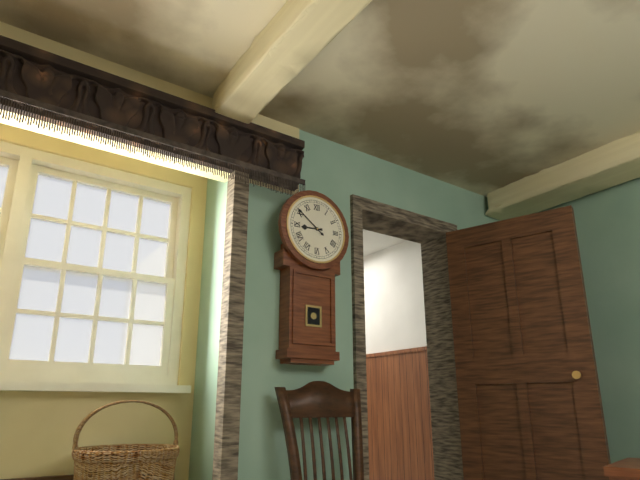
{"hour": 8, "minute": 51}
